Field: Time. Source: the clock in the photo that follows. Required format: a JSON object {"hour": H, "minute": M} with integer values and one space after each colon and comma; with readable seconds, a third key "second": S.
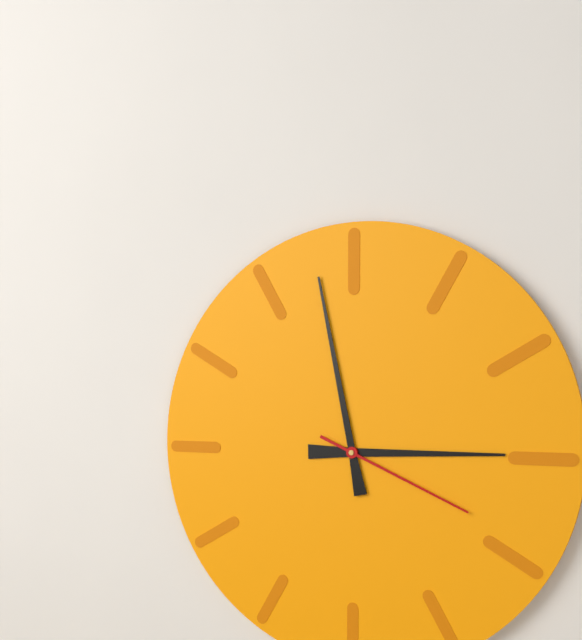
{"hour": 2, "minute": 58, "second": 19}
